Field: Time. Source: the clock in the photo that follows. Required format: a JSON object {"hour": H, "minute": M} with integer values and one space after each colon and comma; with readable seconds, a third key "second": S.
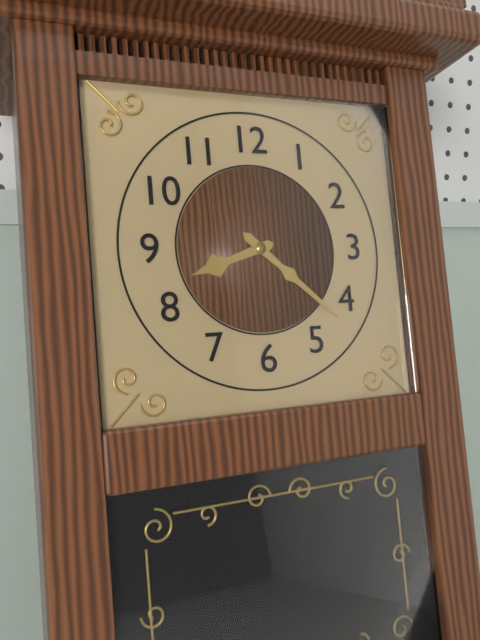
{"hour": 8, "minute": 22}
